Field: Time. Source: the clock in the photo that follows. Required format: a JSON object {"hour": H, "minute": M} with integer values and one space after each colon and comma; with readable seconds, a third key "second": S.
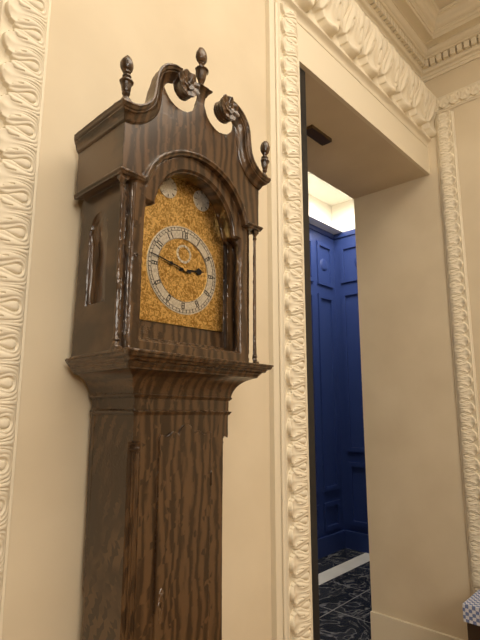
{"hour": 2, "minute": 47}
